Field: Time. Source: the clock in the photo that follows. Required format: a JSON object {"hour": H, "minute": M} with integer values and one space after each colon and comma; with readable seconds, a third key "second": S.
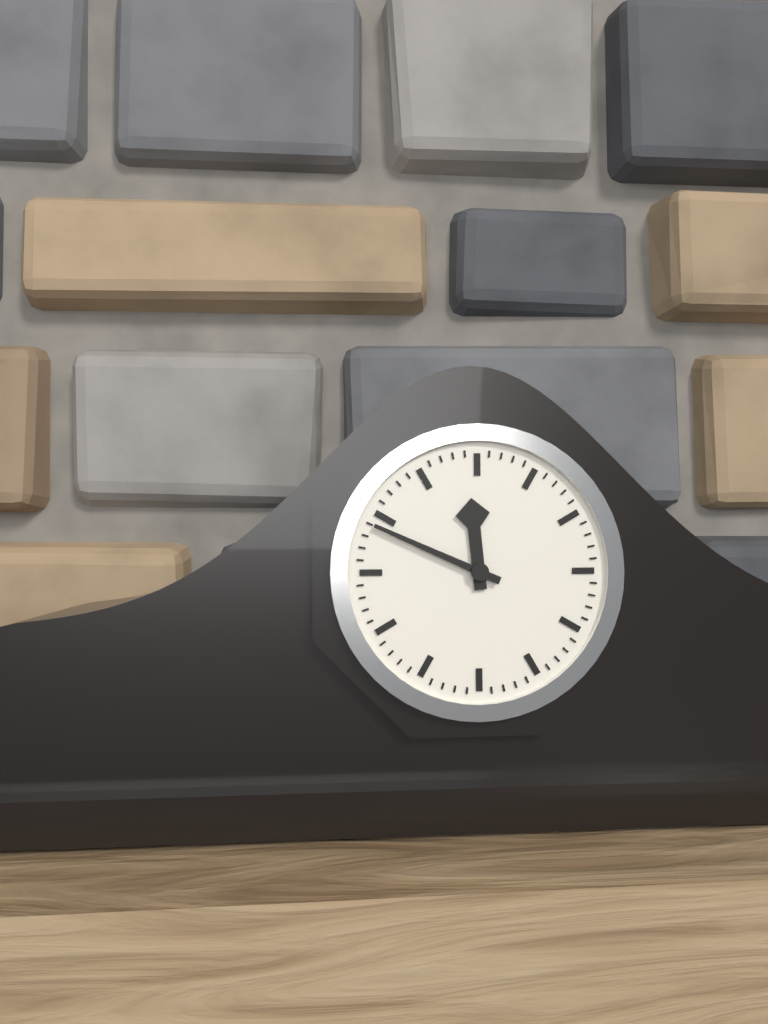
{"hour": 11, "minute": 49}
